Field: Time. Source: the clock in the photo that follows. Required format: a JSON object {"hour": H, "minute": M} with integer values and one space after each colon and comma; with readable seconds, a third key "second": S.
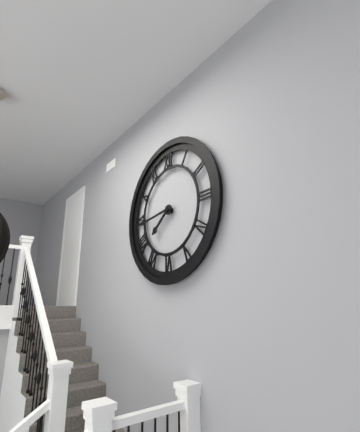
{"hour": 7, "minute": 44}
